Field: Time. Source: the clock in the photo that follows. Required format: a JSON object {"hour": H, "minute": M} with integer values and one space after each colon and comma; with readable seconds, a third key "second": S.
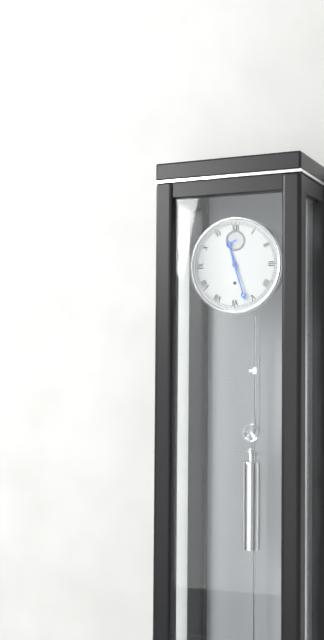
{"hour": 11, "minute": 27}
